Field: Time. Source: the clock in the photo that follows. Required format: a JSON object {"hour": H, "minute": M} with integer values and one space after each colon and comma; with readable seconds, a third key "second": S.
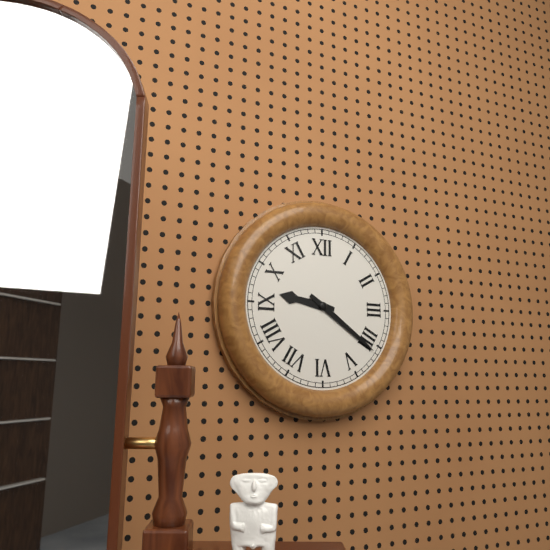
{"hour": 9, "minute": 21}
